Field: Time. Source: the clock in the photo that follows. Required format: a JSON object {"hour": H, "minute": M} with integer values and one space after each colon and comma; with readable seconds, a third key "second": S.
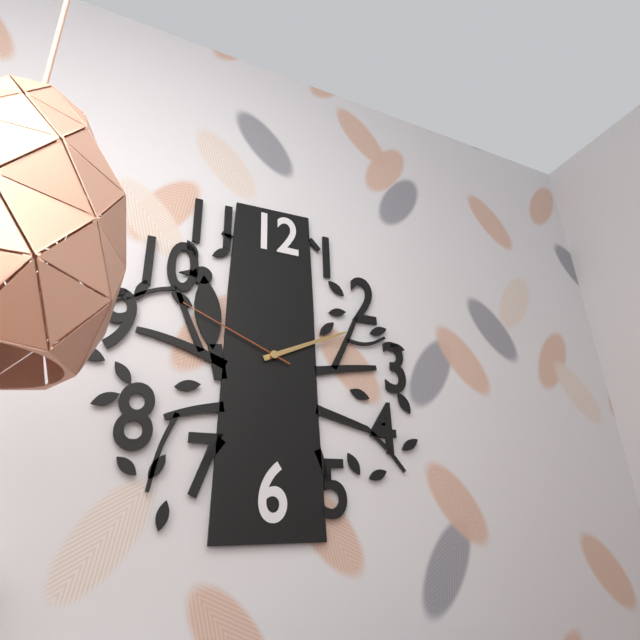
{"hour": 2, "minute": 11, "second": 49}
